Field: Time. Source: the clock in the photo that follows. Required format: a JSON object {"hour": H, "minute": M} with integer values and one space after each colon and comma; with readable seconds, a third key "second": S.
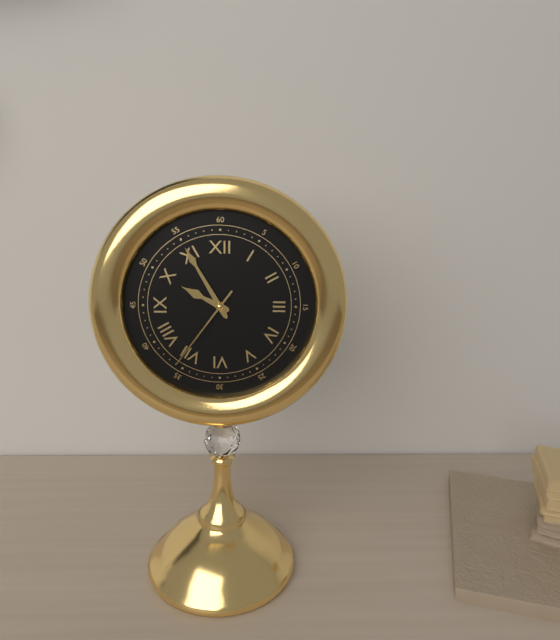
{"hour": 9, "minute": 55, "second": 36}
